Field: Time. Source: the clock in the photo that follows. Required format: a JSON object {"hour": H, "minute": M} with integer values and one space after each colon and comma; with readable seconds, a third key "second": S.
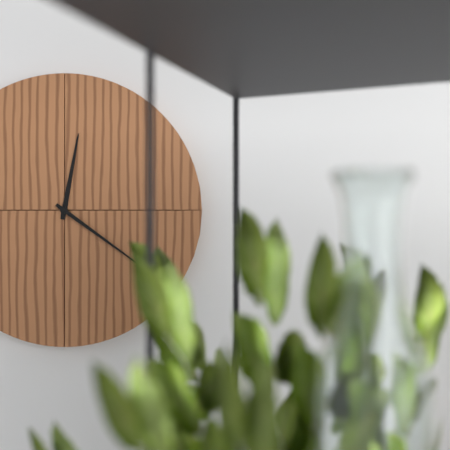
{"hour": 12, "minute": 21}
